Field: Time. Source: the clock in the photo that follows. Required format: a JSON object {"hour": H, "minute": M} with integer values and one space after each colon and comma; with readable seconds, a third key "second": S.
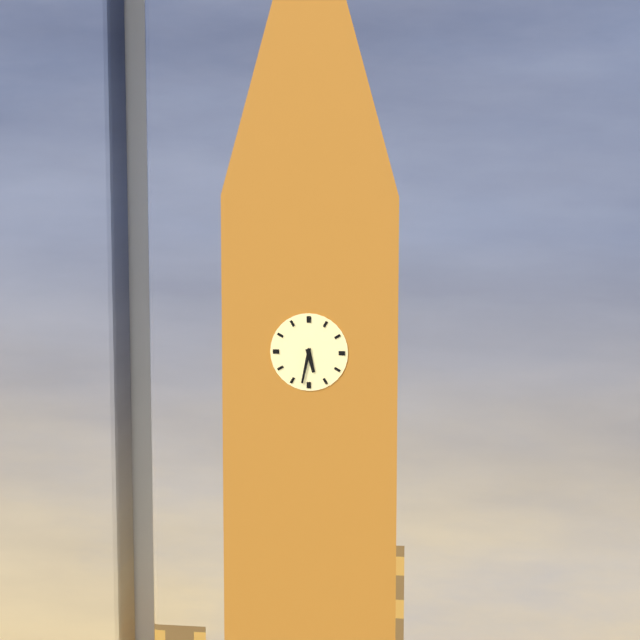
{"hour": 5, "minute": 32}
